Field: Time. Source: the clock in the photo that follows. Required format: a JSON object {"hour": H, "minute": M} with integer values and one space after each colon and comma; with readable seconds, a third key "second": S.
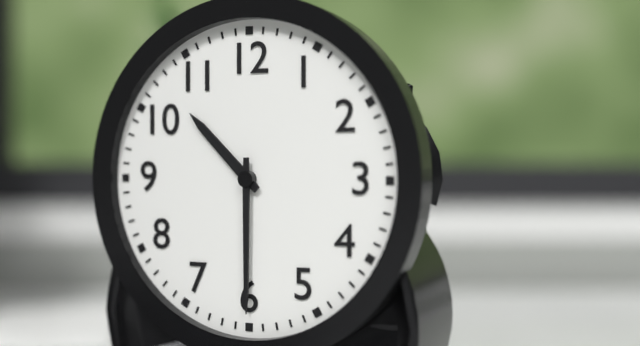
{"hour": 10, "minute": 30}
